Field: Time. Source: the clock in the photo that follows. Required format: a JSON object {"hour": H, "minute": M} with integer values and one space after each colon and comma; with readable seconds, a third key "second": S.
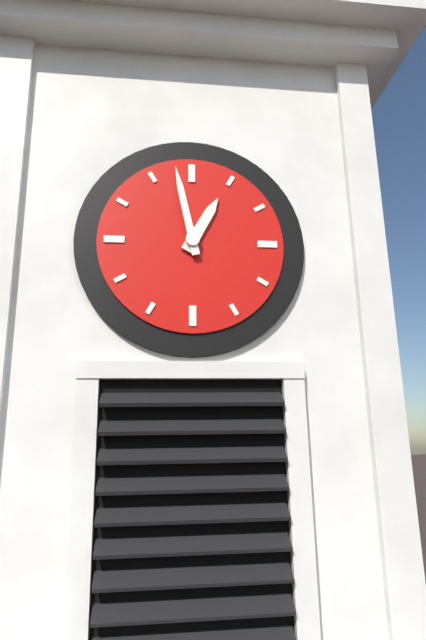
{"hour": 12, "minute": 58}
